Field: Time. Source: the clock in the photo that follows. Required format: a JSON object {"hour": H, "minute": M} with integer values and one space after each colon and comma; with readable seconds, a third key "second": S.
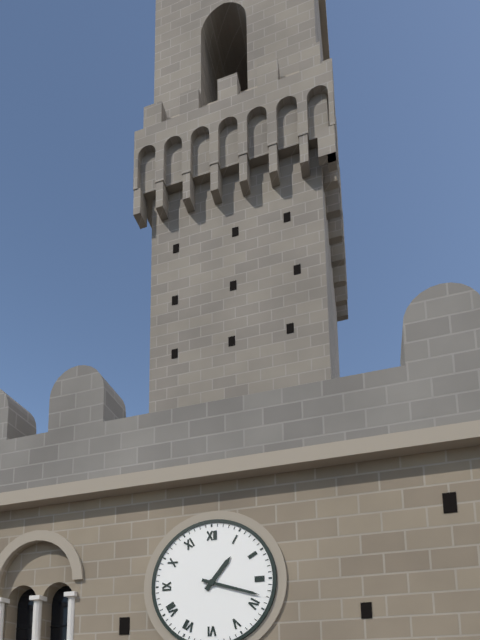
{"hour": 1, "minute": 18}
